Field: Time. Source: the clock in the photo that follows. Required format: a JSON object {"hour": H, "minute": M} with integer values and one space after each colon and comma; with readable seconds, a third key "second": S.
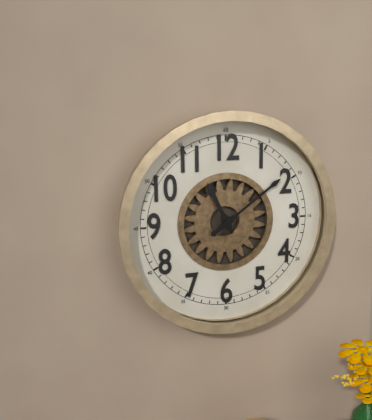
{"hour": 11, "minute": 9}
